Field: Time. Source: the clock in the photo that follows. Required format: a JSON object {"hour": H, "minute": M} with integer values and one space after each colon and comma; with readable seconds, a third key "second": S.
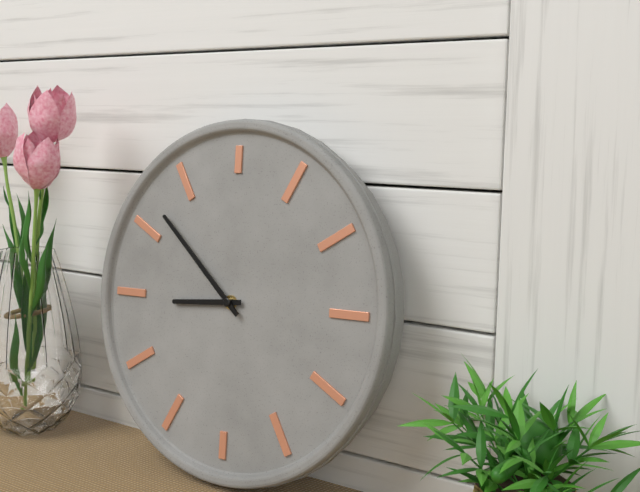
{"hour": 8, "minute": 52}
